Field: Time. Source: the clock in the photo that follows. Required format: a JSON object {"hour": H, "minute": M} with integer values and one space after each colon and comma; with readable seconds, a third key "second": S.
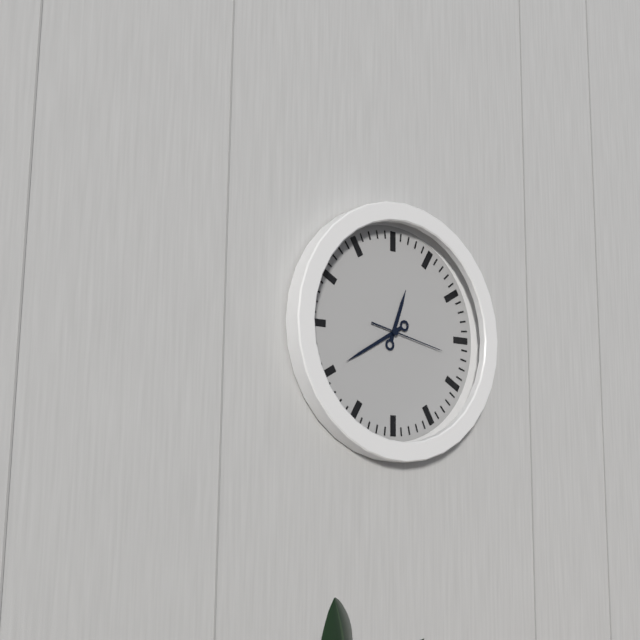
{"hour": 12, "minute": 40, "second": 17}
